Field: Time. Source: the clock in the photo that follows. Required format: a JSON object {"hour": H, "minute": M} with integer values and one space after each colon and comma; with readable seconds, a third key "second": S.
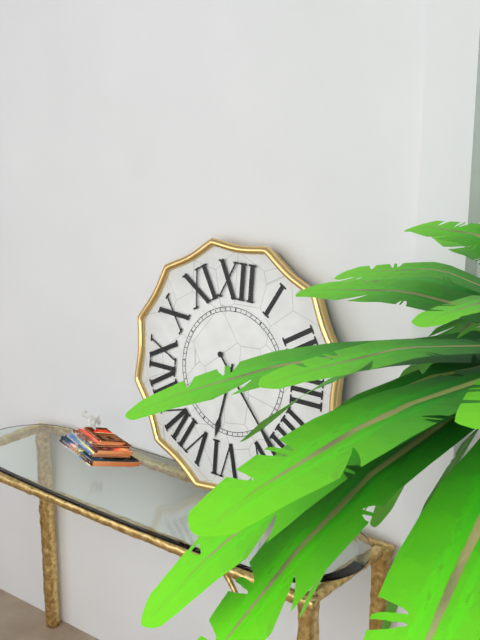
{"hour": 6, "minute": 23}
